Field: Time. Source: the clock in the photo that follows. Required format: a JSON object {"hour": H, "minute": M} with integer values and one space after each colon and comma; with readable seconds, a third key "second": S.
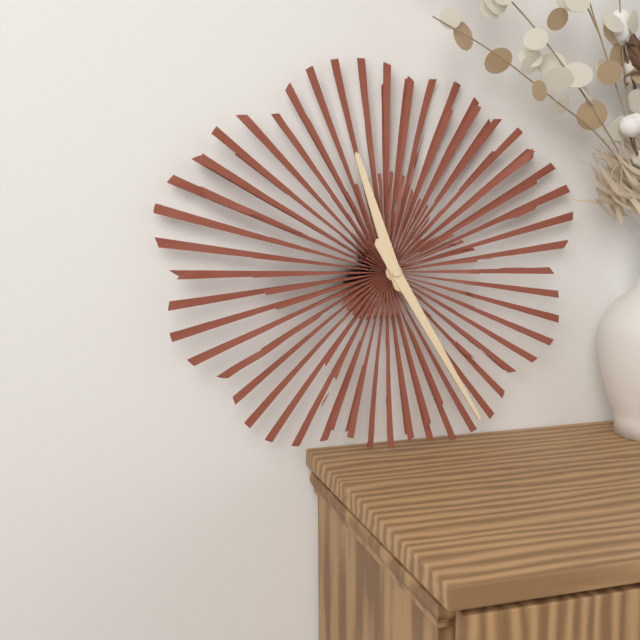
{"hour": 11, "minute": 25}
